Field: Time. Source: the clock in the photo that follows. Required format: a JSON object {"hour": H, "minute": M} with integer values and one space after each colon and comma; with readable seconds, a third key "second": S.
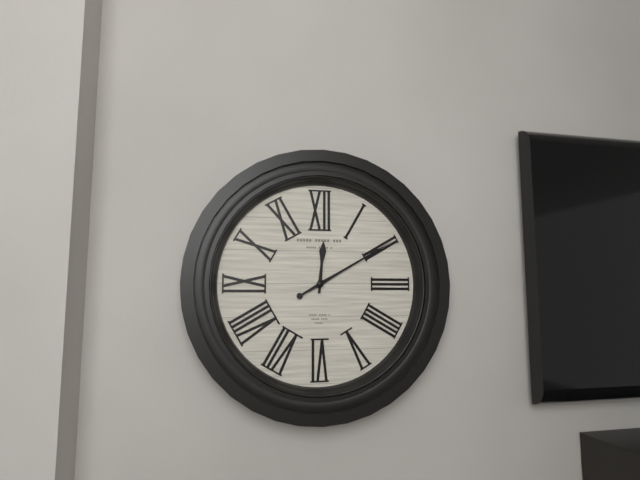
{"hour": 12, "minute": 10}
